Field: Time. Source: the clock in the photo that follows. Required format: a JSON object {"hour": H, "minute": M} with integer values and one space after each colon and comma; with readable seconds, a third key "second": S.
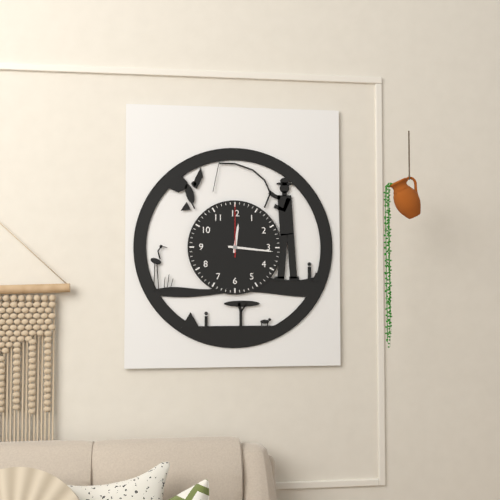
{"hour": 12, "minute": 16, "second": 0}
